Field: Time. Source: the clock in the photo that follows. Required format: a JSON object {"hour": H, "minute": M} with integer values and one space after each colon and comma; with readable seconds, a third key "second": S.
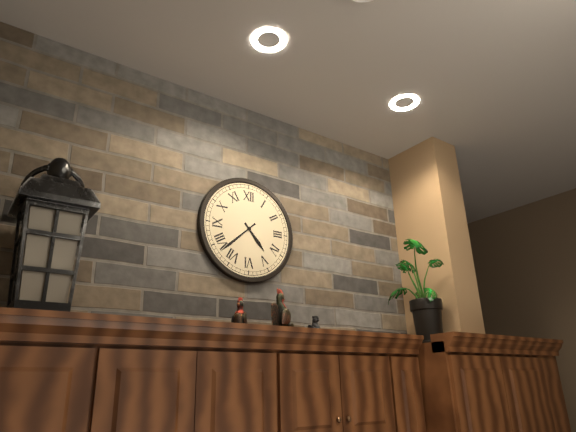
{"hour": 4, "minute": 38}
